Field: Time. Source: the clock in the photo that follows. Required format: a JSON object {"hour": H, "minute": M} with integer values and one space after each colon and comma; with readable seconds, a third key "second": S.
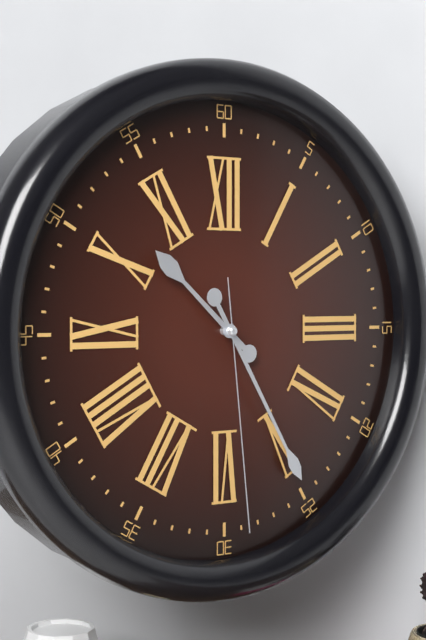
{"hour": 10, "minute": 25, "second": 29}
